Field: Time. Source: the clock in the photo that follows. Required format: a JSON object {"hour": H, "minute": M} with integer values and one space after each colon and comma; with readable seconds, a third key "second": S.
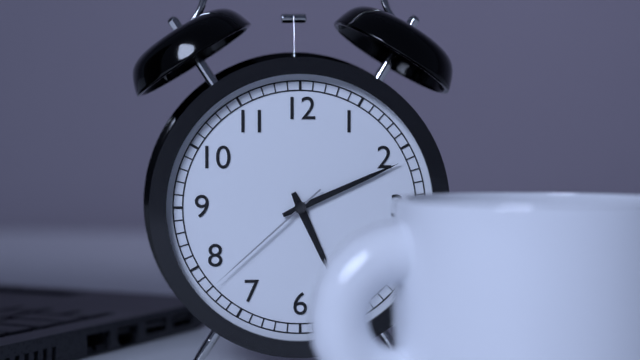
{"hour": 5, "minute": 11, "second": 38}
